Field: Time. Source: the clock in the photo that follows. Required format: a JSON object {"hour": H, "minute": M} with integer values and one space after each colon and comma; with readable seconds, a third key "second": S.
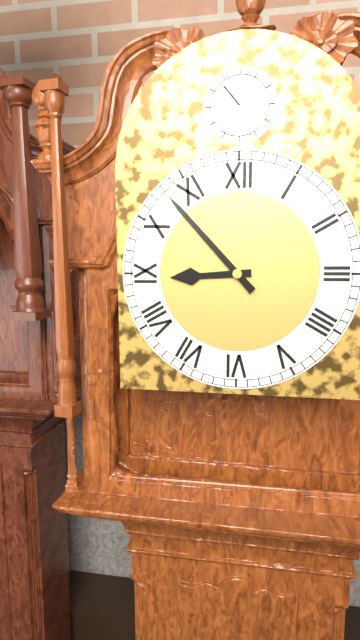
{"hour": 8, "minute": 53}
